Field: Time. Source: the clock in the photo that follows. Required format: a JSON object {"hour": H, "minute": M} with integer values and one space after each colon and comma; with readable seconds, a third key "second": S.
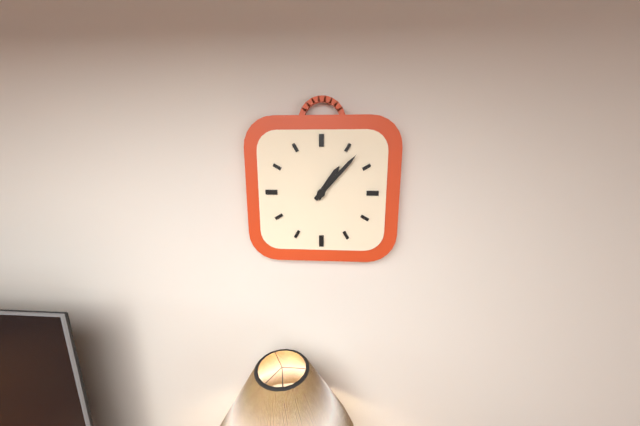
{"hour": 1, "minute": 7}
